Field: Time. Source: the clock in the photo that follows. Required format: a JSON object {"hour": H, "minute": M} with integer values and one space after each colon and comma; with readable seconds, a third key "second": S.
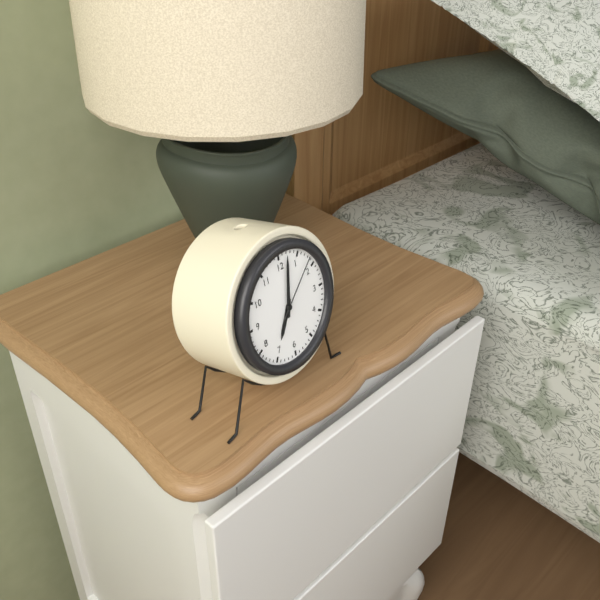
{"hour": 7, "minute": 2, "second": 8}
